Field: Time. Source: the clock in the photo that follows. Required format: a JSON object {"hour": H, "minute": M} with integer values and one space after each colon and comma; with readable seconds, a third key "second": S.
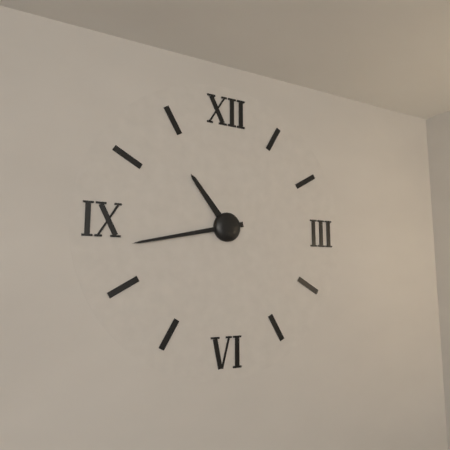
{"hour": 10, "minute": 43}
